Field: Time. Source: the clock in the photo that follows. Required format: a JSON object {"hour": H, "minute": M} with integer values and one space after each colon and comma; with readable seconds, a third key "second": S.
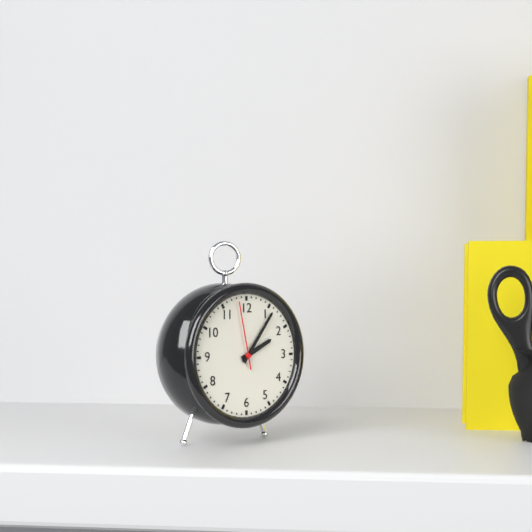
{"hour": 2, "minute": 6, "second": 58}
